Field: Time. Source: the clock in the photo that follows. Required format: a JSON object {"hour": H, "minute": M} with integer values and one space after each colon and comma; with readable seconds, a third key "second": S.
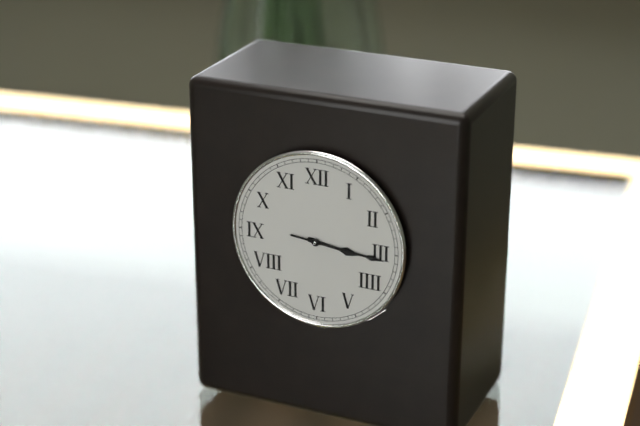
{"hour": 3, "minute": 16}
